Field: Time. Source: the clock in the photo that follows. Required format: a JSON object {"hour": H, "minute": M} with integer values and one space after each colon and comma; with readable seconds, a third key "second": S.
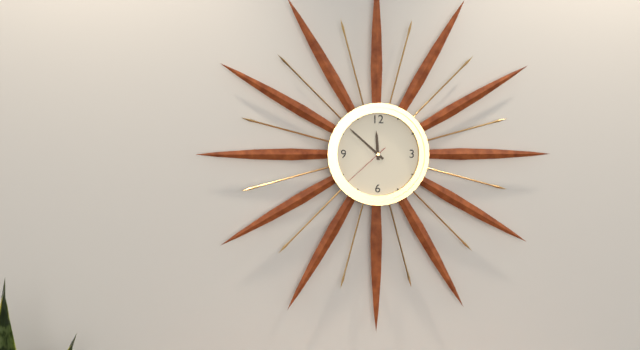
{"hour": 11, "minute": 52, "second": 38}
